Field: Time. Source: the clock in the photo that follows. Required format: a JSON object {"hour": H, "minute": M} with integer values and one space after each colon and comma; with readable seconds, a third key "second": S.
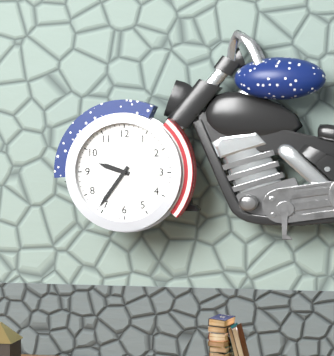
{"hour": 9, "minute": 36}
